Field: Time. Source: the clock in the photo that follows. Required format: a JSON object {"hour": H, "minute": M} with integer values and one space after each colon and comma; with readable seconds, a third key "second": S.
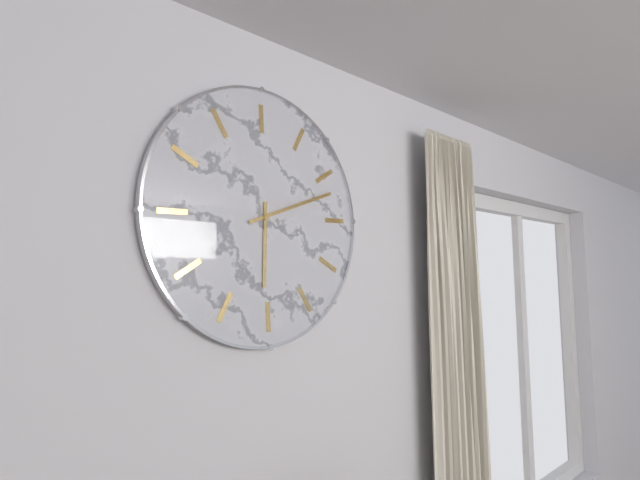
{"hour": 5, "minute": 7}
